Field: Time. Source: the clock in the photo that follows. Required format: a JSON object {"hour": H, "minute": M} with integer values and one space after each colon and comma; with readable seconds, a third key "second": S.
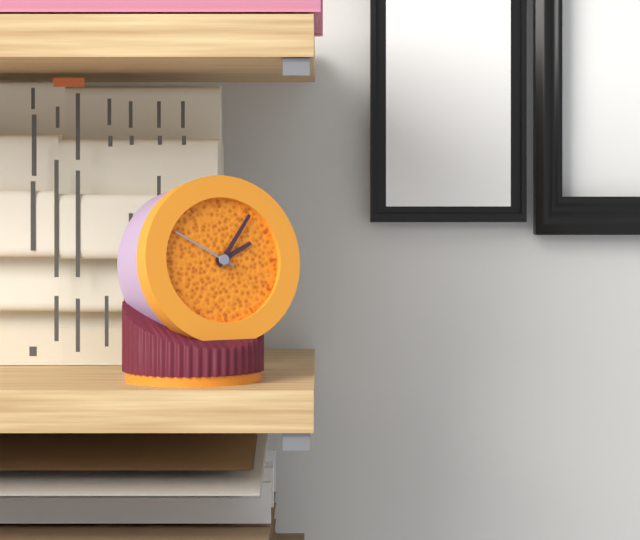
{"hour": 2, "minute": 6, "second": 50}
